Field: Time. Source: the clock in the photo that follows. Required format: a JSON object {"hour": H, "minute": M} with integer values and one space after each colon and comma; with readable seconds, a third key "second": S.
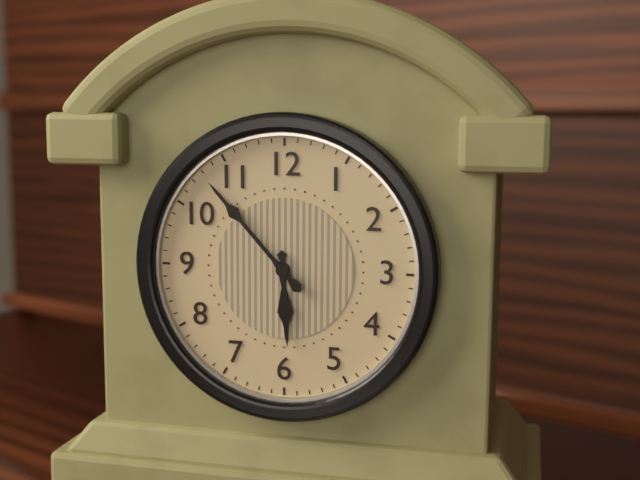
{"hour": 5, "minute": 53}
